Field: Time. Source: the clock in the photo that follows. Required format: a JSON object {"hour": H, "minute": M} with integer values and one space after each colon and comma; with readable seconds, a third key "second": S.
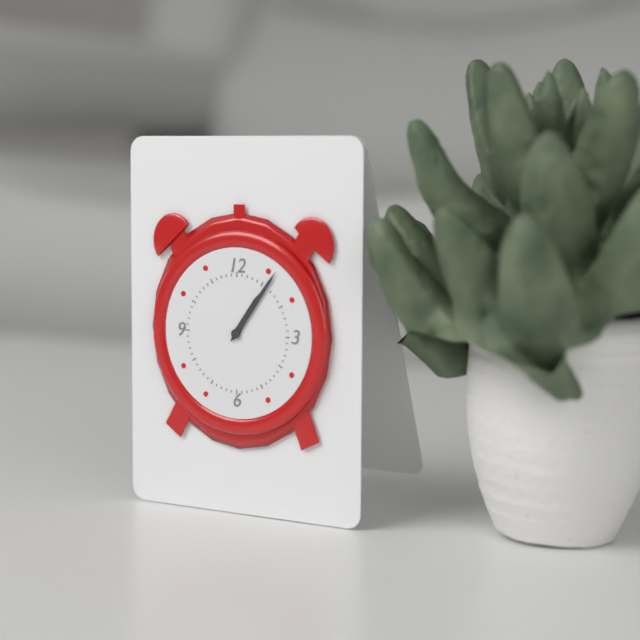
{"hour": 1, "minute": 6}
